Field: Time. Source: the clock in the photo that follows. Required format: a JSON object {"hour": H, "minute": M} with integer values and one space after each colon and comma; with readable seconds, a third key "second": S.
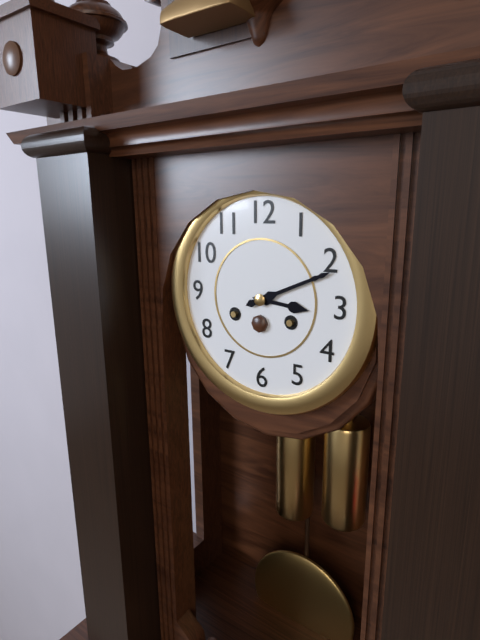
{"hour": 3, "minute": 11}
